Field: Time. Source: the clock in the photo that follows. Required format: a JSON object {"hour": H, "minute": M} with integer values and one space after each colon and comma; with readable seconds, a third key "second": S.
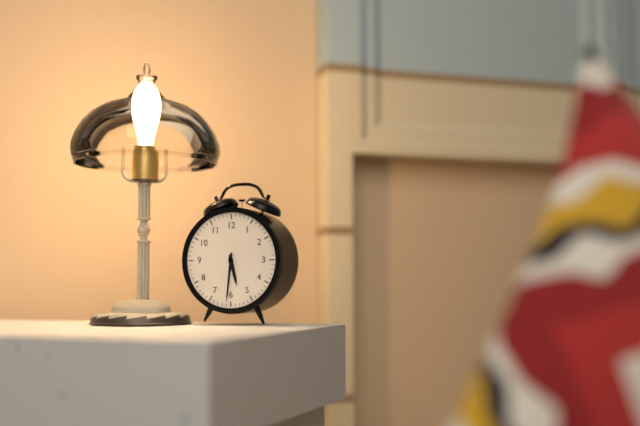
{"hour": 5, "minute": 31}
